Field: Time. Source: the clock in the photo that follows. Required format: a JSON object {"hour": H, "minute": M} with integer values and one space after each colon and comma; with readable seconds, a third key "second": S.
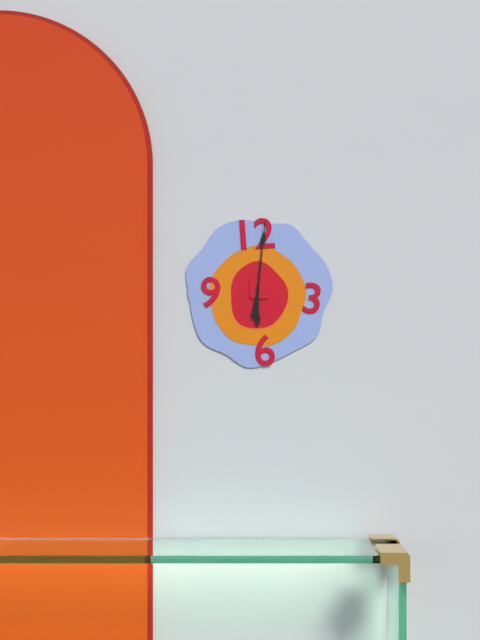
{"hour": 6, "minute": 1}
